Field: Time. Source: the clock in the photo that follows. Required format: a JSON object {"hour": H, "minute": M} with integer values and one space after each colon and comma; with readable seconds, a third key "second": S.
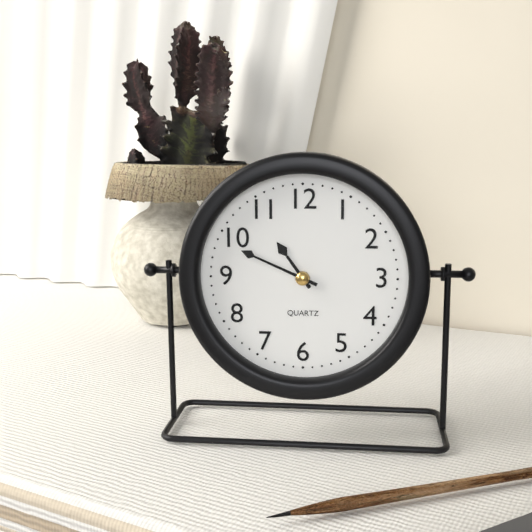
{"hour": 10, "minute": 49}
